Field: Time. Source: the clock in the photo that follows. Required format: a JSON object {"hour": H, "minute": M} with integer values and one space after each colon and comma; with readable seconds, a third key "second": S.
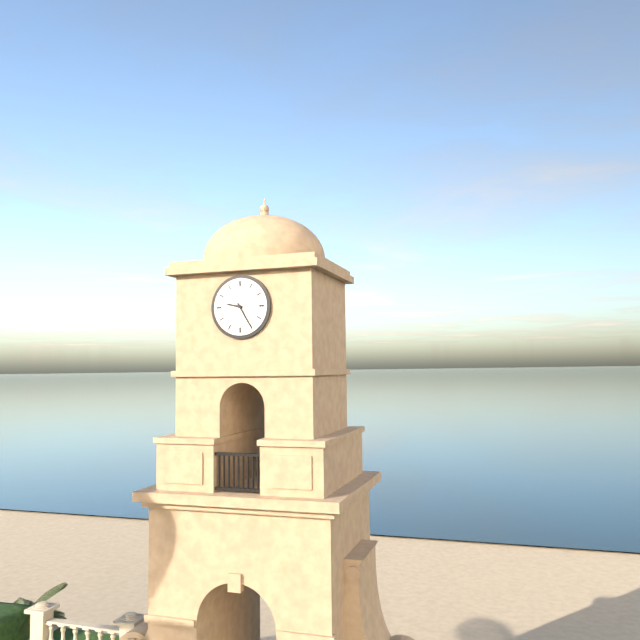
{"hour": 9, "minute": 25}
